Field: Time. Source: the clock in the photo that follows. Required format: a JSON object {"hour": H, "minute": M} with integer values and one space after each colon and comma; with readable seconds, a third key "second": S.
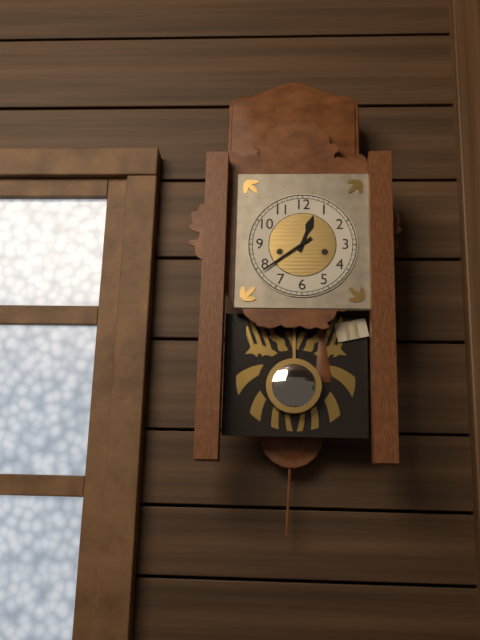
{"hour": 12, "minute": 39}
